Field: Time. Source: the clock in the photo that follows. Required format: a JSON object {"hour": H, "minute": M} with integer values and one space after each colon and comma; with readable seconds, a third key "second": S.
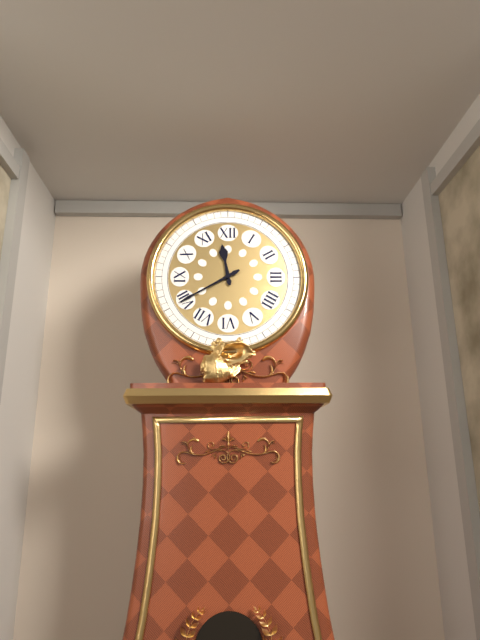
{"hour": 11, "minute": 40}
